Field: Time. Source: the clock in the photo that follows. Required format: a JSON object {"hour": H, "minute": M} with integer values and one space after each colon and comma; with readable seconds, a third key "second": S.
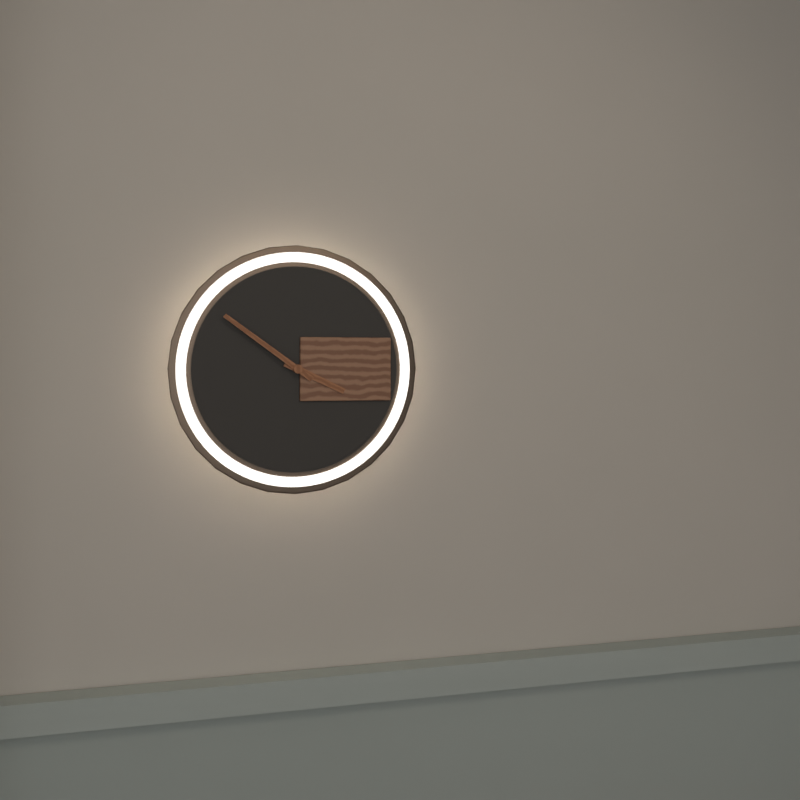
{"hour": 3, "minute": 51}
